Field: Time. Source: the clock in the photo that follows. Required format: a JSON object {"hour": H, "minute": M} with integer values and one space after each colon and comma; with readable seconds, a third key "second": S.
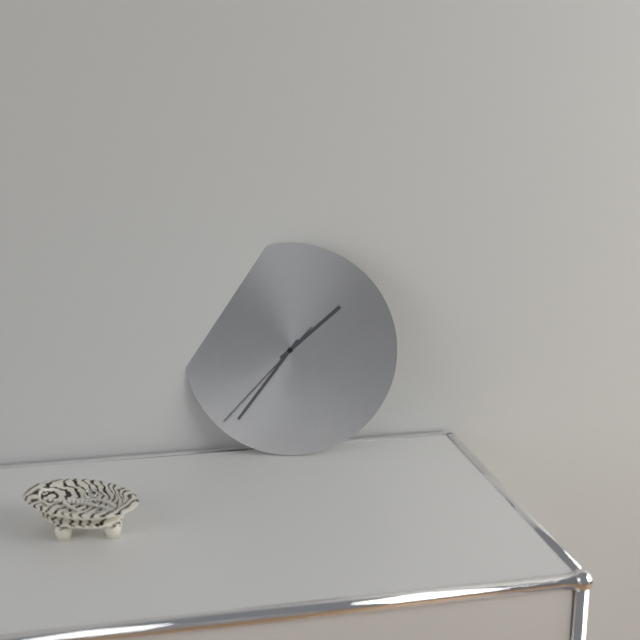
{"hour": 1, "minute": 36, "second": 37}
